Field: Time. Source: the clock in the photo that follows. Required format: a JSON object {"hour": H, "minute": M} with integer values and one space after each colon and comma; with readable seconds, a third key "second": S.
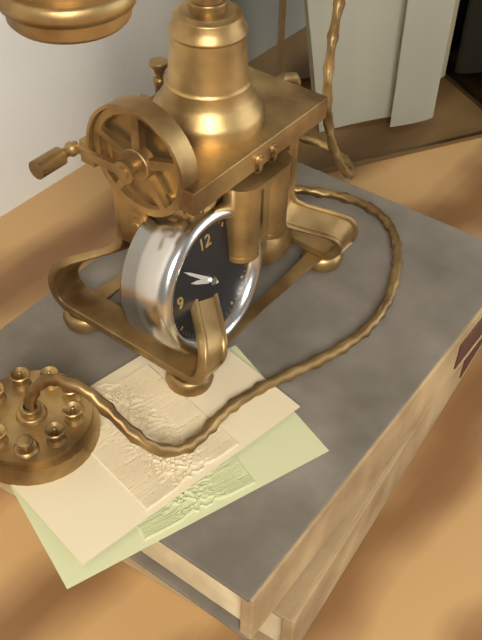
{"hour": 9, "minute": 52}
